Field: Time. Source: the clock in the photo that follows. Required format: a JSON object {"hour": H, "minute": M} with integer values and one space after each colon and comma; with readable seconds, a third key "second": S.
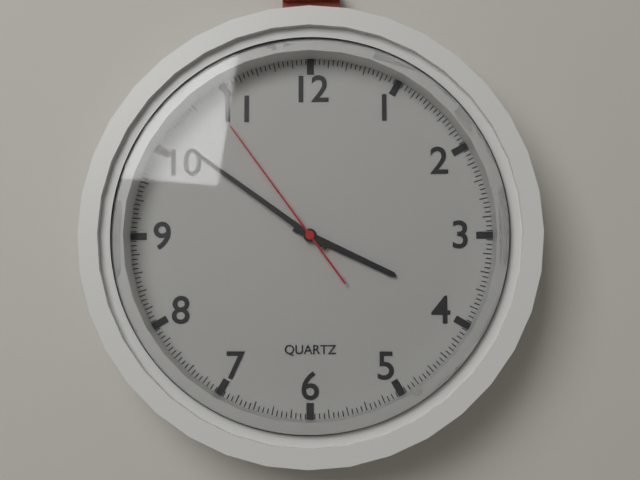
{"hour": 3, "minute": 51, "second": 54}
